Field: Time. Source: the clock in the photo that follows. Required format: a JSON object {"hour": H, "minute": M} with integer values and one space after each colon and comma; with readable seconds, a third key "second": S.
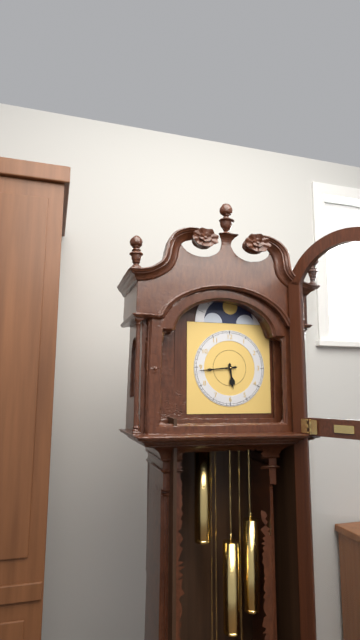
{"hour": 5, "minute": 44}
